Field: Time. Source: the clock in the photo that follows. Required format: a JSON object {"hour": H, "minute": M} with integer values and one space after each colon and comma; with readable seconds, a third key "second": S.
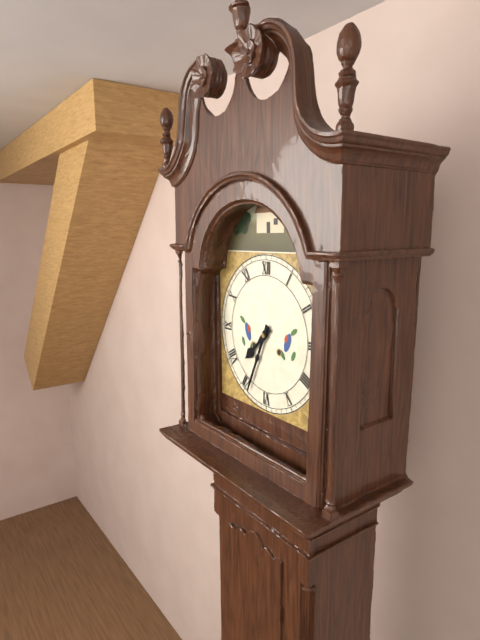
{"hour": 7, "minute": 34}
